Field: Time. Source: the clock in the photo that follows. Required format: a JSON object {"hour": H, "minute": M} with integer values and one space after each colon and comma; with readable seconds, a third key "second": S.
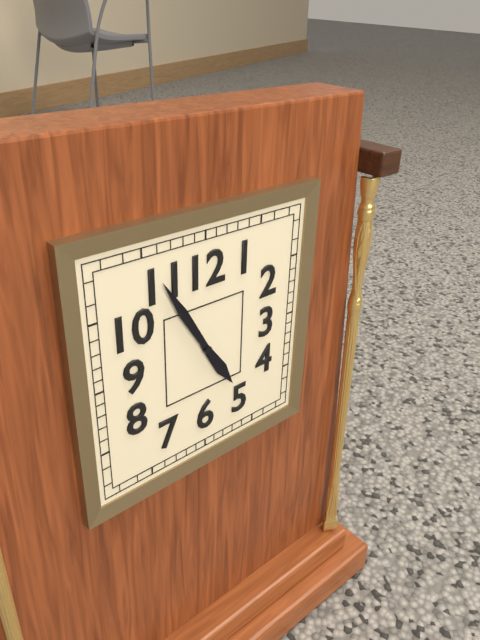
{"hour": 4, "minute": 55}
